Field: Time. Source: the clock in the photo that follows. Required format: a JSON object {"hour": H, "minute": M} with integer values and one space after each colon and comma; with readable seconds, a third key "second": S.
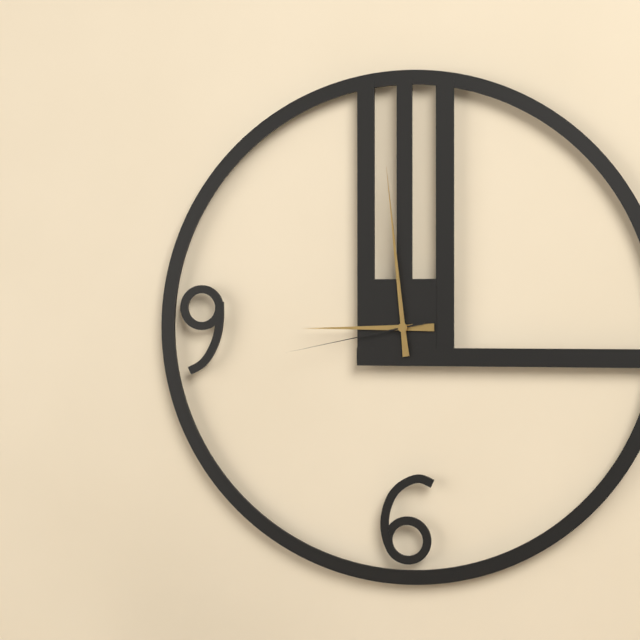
{"hour": 8, "minute": 59, "second": 43}
